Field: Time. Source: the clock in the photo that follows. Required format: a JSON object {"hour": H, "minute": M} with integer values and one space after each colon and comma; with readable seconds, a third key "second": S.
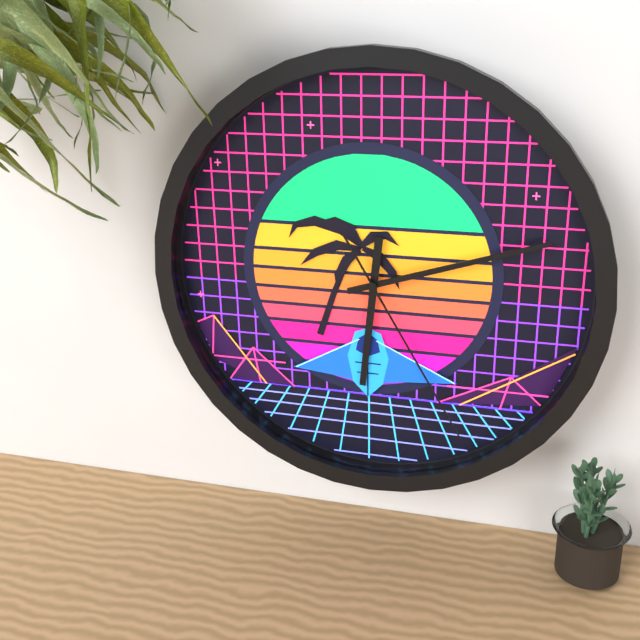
{"hour": 6, "minute": 12, "second": 25}
